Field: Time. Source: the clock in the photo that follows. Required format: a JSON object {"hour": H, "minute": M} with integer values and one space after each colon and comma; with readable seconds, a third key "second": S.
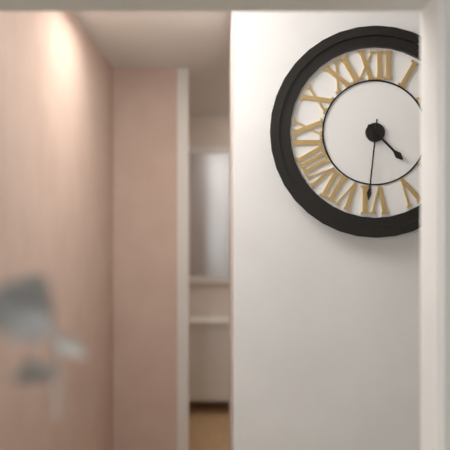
{"hour": 4, "minute": 31}
